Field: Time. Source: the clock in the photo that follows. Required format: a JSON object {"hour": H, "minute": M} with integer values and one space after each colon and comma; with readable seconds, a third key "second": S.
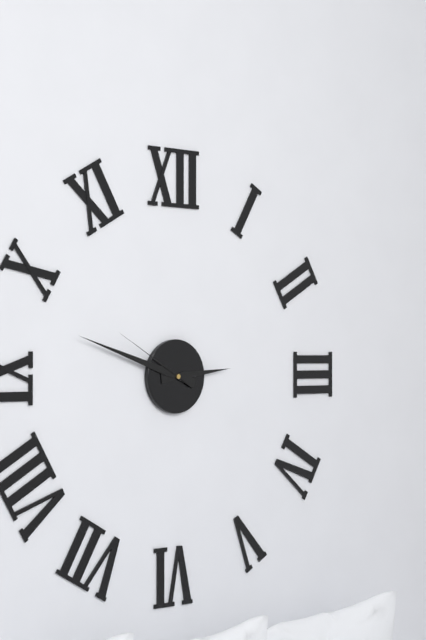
{"hour": 2, "minute": 48, "second": 50}
